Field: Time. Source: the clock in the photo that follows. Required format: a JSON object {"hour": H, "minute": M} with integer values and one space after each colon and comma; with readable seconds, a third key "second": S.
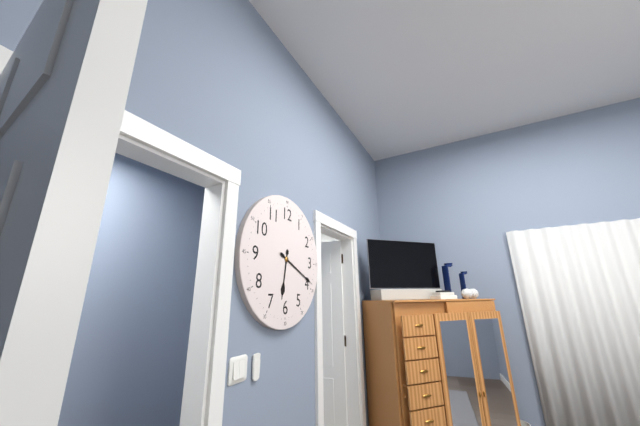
{"hour": 6, "minute": 19}
